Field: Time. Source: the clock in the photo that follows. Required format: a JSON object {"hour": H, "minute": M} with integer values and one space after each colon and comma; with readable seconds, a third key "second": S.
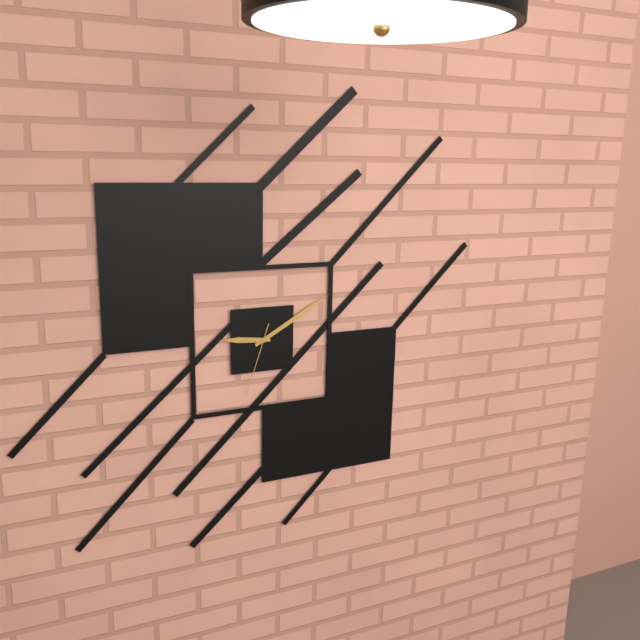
{"hour": 9, "minute": 10, "second": 33}
